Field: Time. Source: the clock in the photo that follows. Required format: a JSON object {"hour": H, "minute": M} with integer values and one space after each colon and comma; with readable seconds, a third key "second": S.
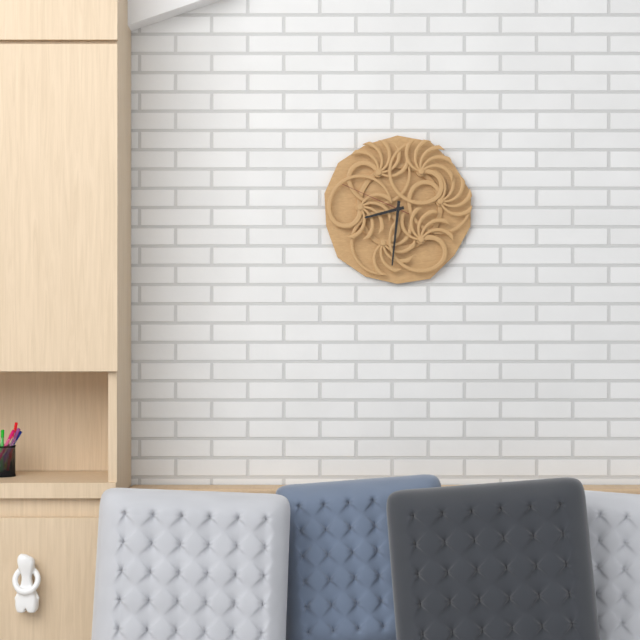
{"hour": 8, "minute": 31, "second": 49}
